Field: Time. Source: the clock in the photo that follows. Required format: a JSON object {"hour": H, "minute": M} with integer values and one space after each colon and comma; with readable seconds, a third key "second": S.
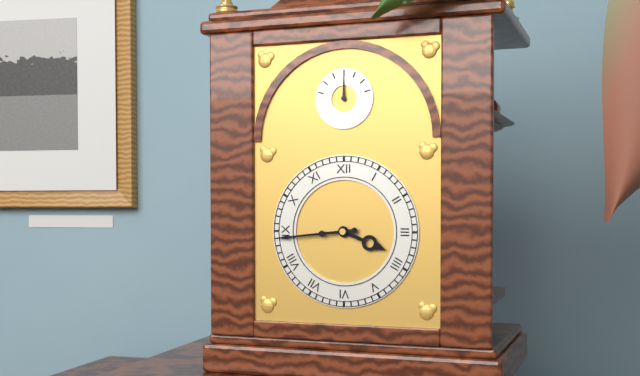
{"hour": 3, "minute": 44}
